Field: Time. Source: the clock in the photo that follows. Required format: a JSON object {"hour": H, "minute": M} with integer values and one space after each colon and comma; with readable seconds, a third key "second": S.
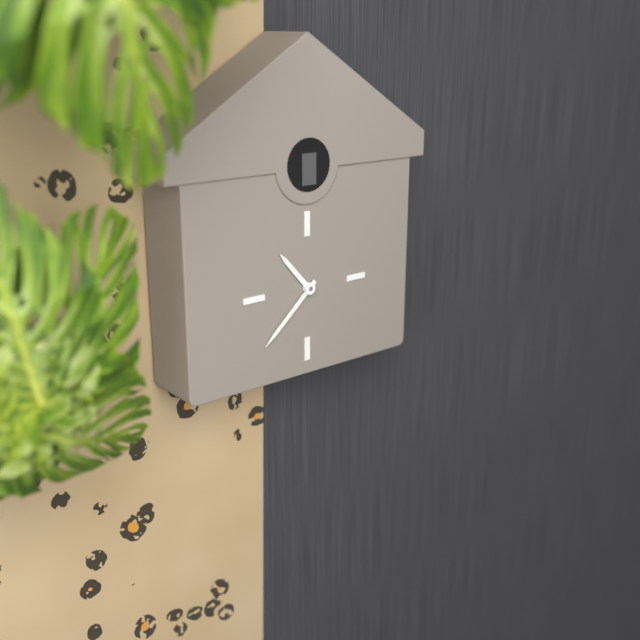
{"hour": 10, "minute": 38}
